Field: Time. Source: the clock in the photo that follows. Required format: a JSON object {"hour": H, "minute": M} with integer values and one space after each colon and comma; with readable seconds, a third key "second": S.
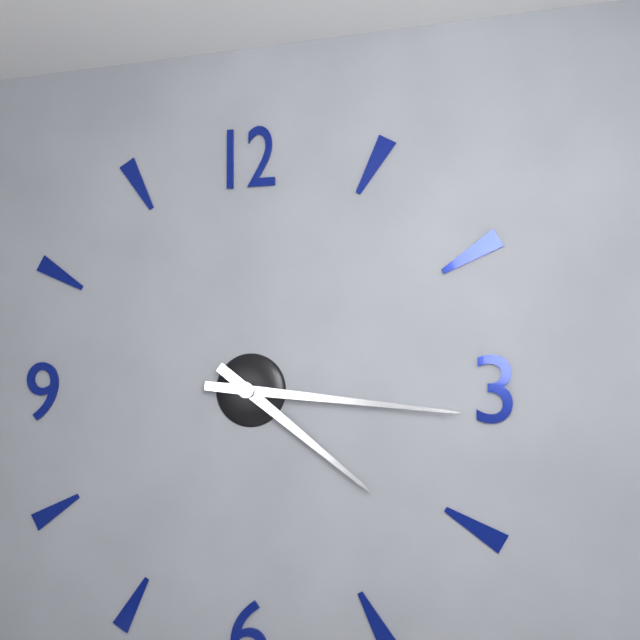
{"hour": 4, "minute": 16}
